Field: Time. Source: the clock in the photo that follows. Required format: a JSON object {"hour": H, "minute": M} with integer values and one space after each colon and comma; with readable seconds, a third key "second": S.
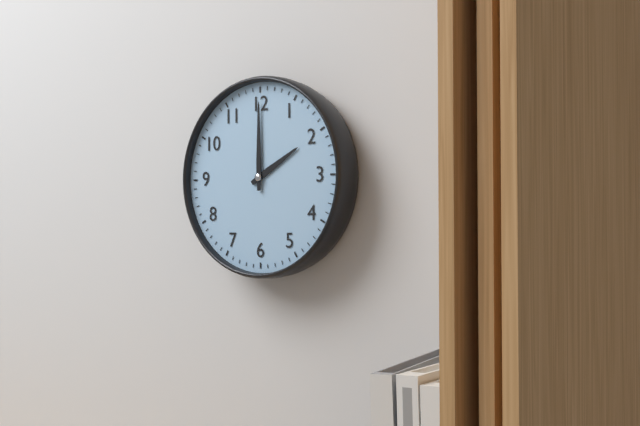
{"hour": 2, "minute": 0}
